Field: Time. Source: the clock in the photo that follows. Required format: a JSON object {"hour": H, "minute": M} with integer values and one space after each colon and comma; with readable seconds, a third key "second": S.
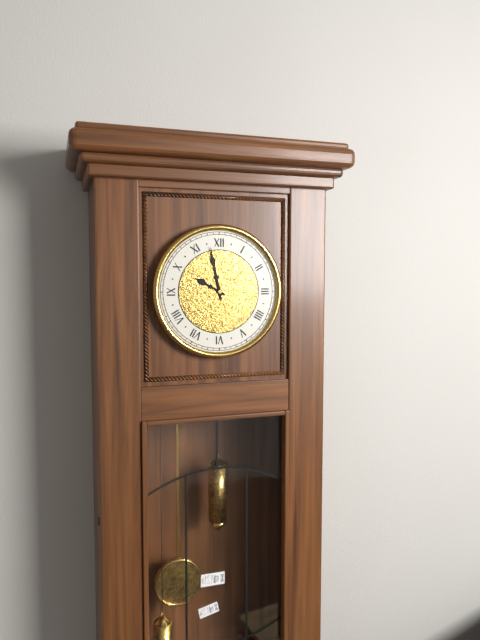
{"hour": 9, "minute": 58}
